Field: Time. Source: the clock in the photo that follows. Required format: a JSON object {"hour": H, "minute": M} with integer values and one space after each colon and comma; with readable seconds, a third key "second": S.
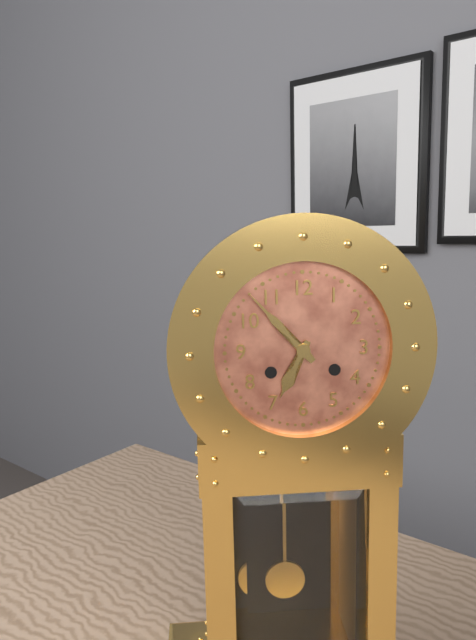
{"hour": 6, "minute": 53}
